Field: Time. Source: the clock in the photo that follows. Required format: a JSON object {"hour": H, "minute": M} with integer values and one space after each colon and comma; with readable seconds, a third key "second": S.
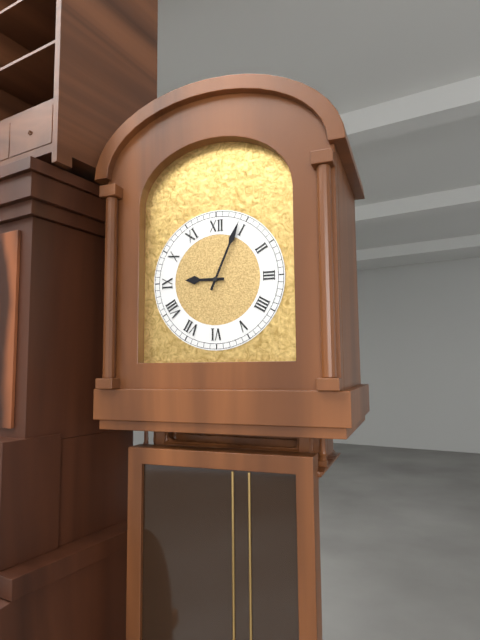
{"hour": 9, "minute": 4}
